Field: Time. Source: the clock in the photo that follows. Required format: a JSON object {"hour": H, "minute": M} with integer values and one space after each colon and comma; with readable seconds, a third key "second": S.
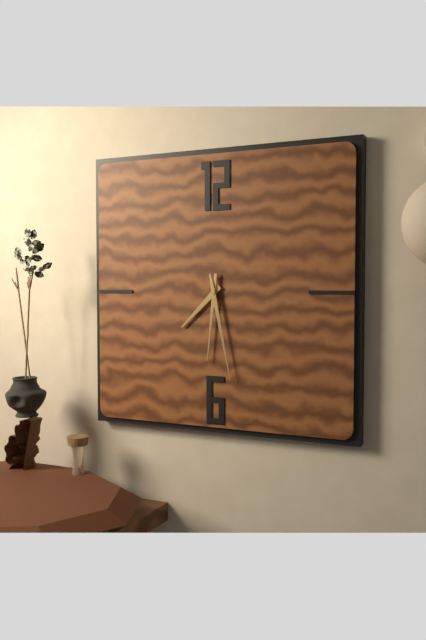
{"hour": 7, "minute": 31, "second": 28}
